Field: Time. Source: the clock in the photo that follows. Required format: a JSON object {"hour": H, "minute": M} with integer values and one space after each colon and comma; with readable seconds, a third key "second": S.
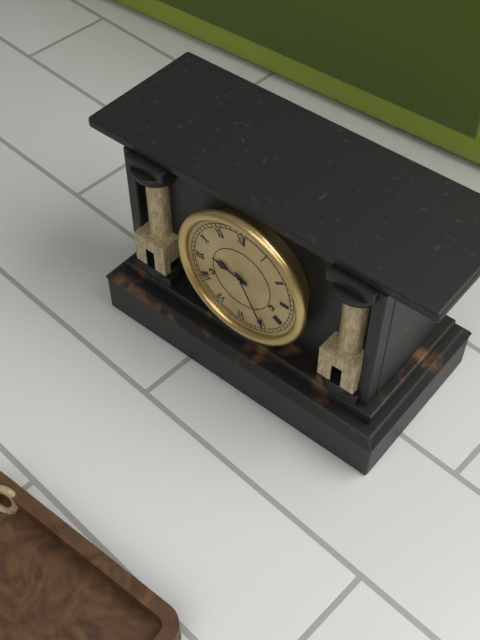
{"hour": 9, "minute": 25}
